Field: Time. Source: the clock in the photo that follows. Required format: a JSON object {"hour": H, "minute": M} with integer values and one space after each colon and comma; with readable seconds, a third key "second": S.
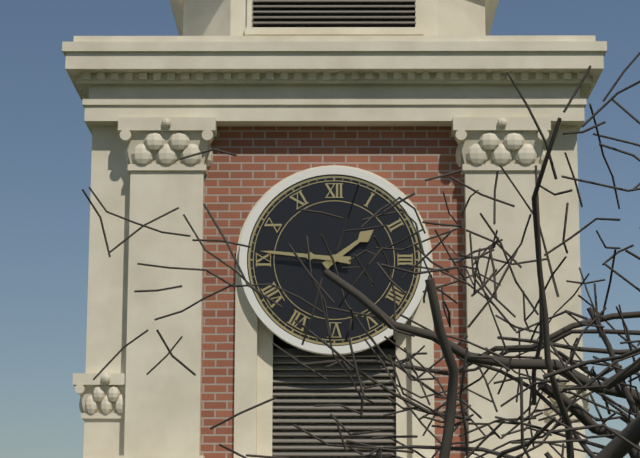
{"hour": 1, "minute": 46}
